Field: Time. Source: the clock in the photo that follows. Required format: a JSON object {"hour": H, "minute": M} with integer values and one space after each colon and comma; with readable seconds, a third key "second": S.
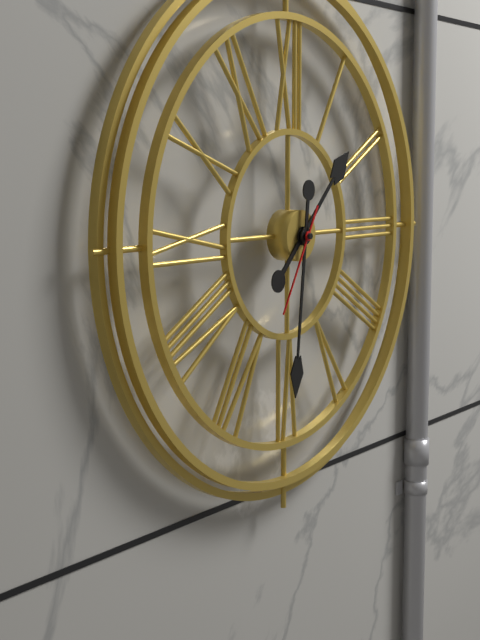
{"hour": 1, "minute": 31, "second": 35}
